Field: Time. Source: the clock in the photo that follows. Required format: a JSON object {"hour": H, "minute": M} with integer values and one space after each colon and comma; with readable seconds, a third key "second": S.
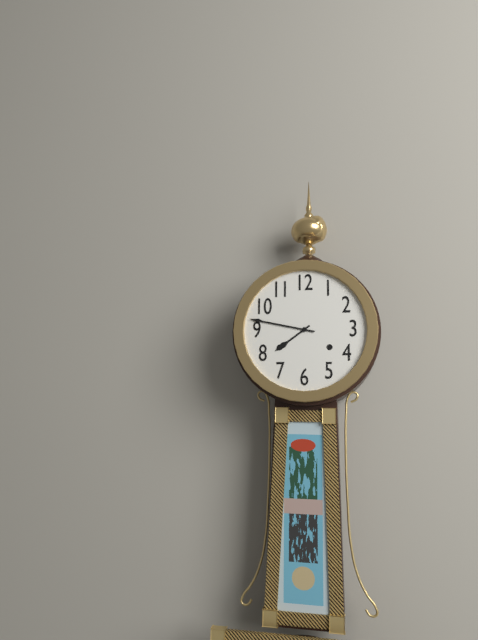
{"hour": 7, "minute": 47}
